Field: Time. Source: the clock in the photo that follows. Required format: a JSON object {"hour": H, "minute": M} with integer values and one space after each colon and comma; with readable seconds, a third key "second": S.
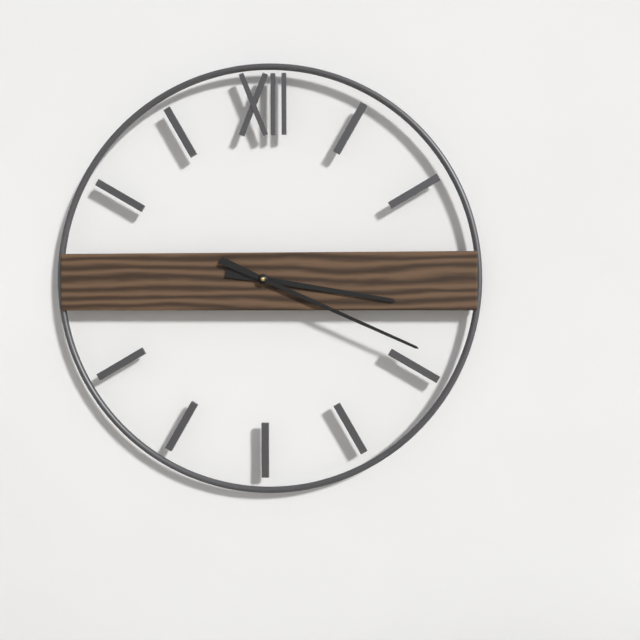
{"hour": 3, "minute": 19}
